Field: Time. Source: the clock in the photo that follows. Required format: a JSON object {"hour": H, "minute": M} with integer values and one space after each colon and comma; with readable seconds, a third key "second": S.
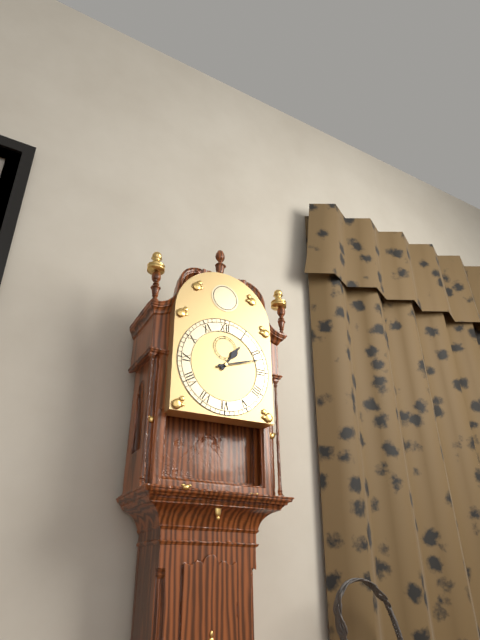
{"hour": 1, "minute": 12}
